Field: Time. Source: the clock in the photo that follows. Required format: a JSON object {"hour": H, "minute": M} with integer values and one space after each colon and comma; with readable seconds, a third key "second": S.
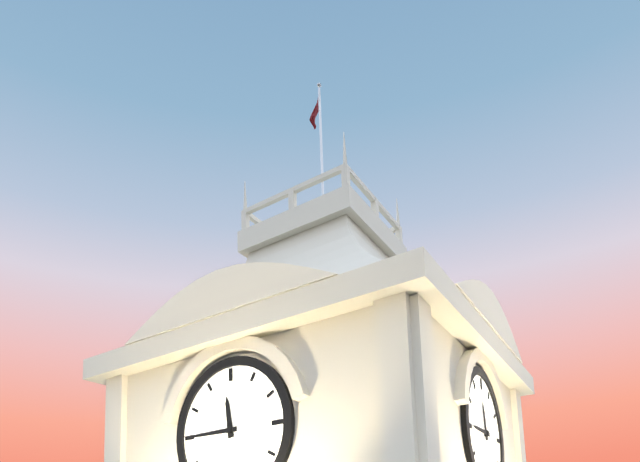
{"hour": 11, "minute": 45}
